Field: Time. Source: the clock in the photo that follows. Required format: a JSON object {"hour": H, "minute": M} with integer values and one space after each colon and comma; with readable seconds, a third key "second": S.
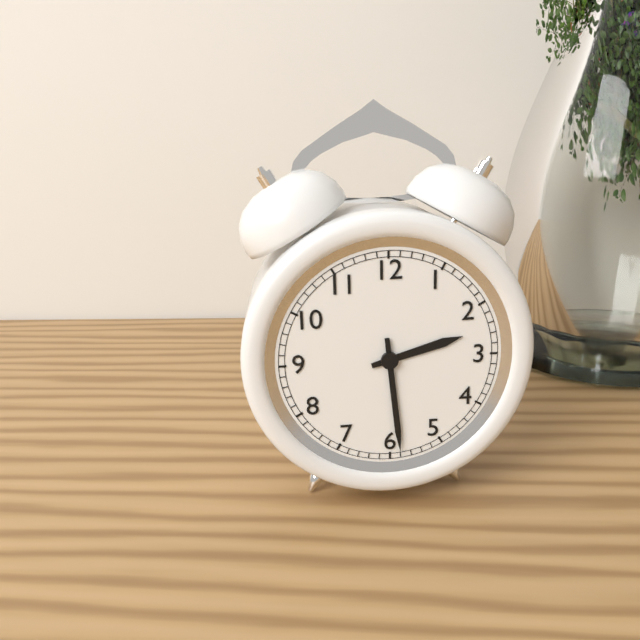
{"hour": 2, "minute": 29}
